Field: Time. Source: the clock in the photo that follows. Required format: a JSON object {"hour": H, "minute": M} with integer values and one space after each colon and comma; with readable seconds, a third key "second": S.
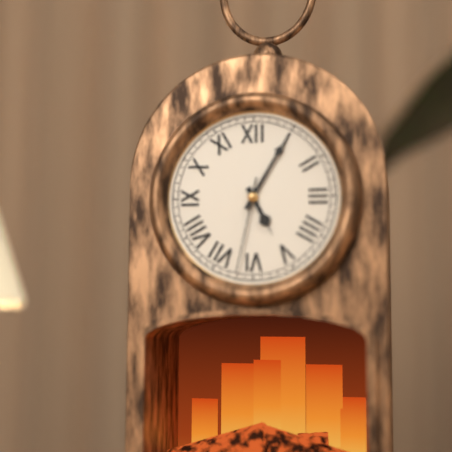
{"hour": 5, "minute": 5, "second": 32}
